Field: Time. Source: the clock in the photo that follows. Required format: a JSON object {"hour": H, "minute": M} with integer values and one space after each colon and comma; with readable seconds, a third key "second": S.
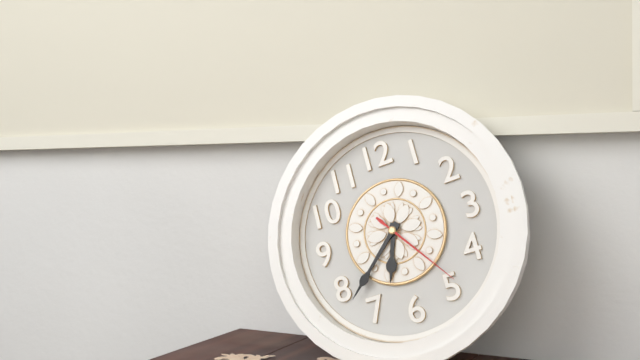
{"hour": 6, "minute": 38, "second": 24}
